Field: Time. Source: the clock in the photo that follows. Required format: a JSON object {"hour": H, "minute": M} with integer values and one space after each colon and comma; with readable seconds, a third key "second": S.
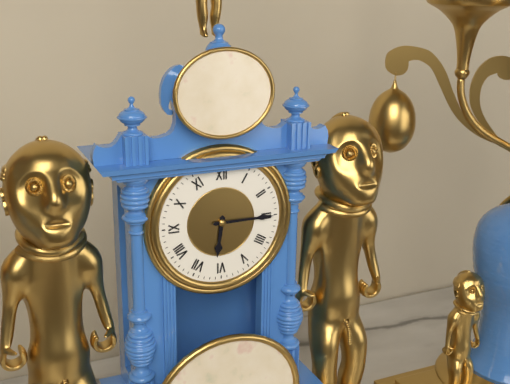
{"hour": 6, "minute": 15}
